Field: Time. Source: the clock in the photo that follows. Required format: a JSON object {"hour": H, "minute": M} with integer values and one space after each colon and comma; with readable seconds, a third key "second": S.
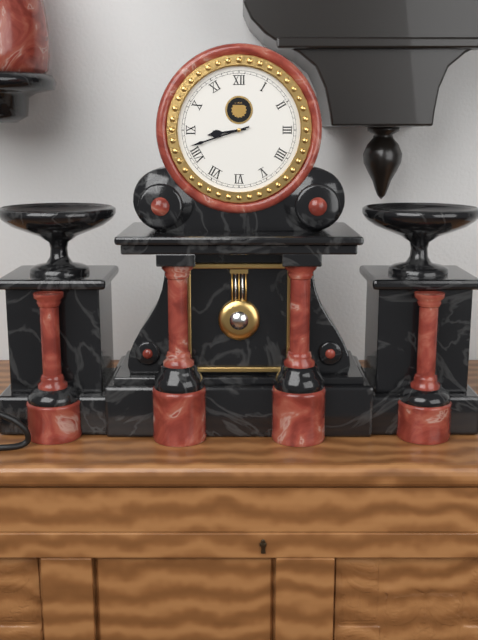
{"hour": 8, "minute": 42}
